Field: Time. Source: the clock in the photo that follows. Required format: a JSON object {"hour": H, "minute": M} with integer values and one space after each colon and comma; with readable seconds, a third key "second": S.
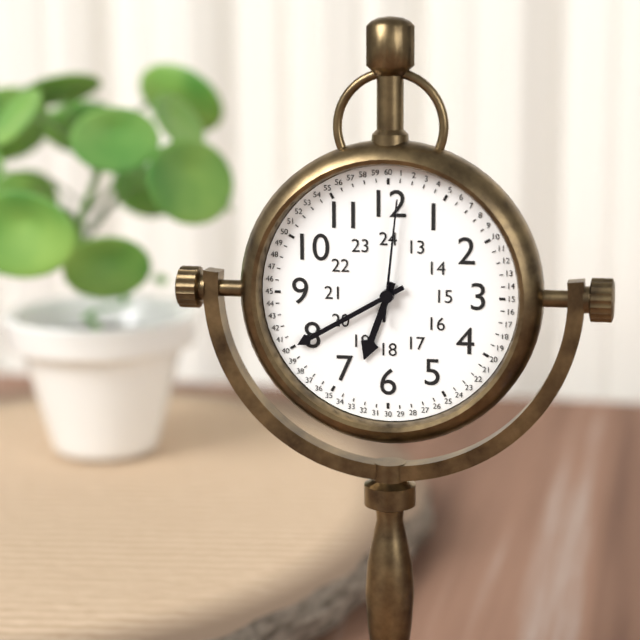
{"hour": 6, "minute": 40, "second": 1}
